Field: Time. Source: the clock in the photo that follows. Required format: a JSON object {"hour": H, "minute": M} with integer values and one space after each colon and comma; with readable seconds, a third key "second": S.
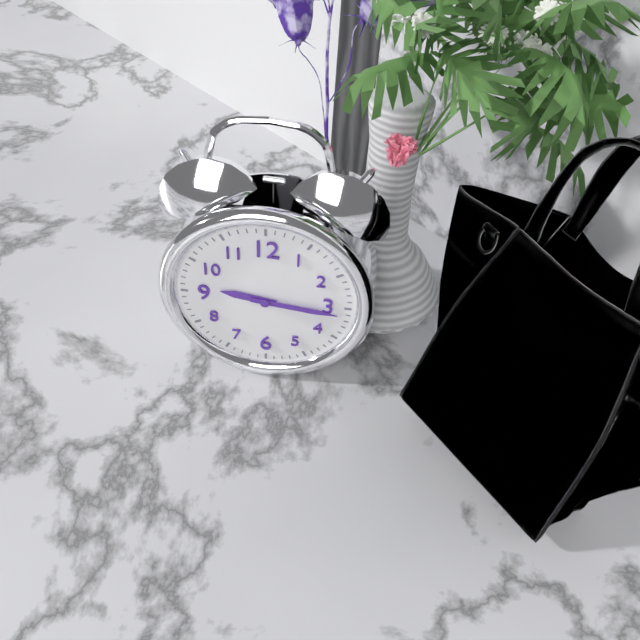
{"hour": 9, "minute": 16}
